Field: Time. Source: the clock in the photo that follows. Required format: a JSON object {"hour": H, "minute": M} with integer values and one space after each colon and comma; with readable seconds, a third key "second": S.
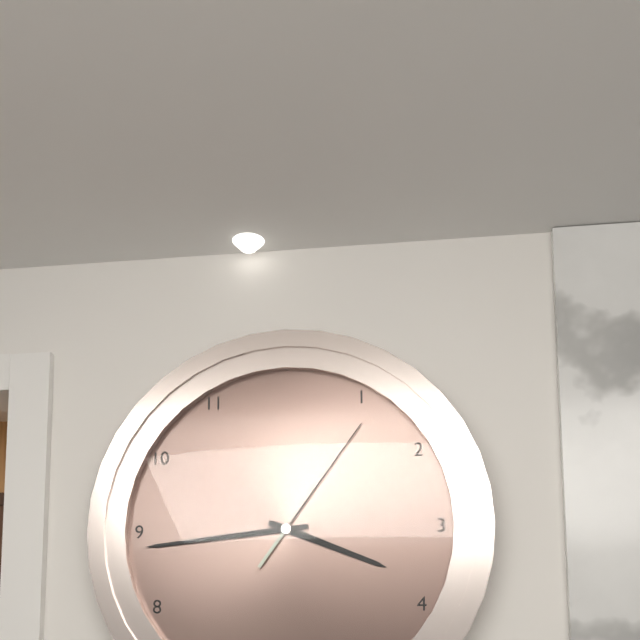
{"hour": 3, "minute": 44, "second": 6}
